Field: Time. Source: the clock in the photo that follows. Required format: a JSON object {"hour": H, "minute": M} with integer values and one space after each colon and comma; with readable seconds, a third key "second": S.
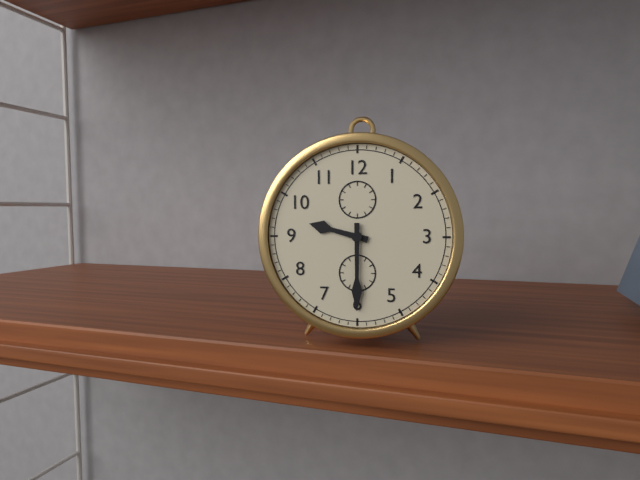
{"hour": 9, "minute": 30}
